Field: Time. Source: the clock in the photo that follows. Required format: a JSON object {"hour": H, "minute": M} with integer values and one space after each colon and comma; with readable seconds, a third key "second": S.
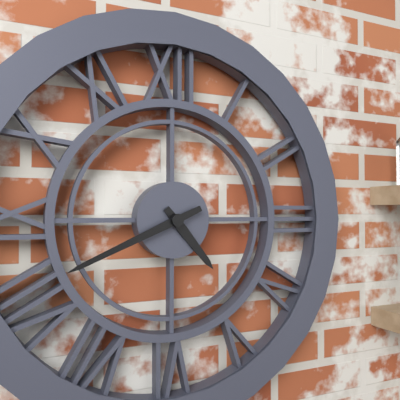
{"hour": 4, "minute": 41}
